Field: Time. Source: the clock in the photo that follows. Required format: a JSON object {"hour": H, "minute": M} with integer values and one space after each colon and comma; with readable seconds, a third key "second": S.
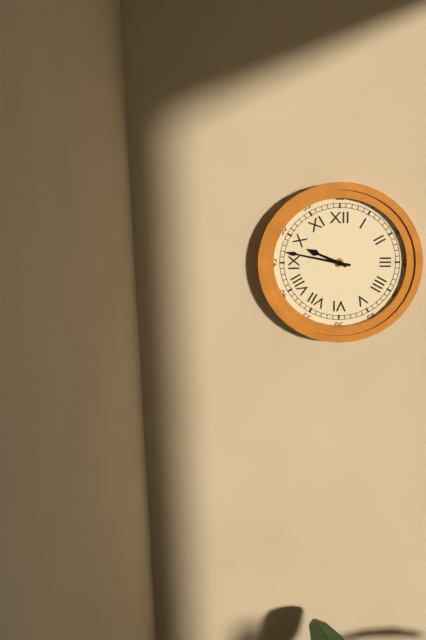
{"hour": 9, "minute": 47}
